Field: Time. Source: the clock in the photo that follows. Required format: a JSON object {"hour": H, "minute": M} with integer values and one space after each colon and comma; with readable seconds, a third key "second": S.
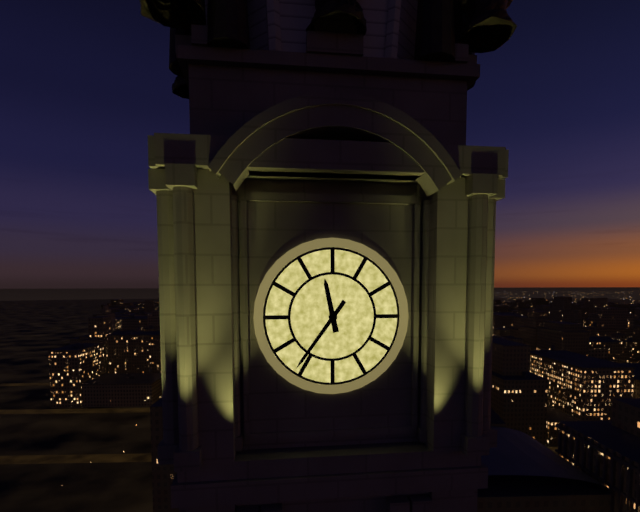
{"hour": 11, "minute": 36}
